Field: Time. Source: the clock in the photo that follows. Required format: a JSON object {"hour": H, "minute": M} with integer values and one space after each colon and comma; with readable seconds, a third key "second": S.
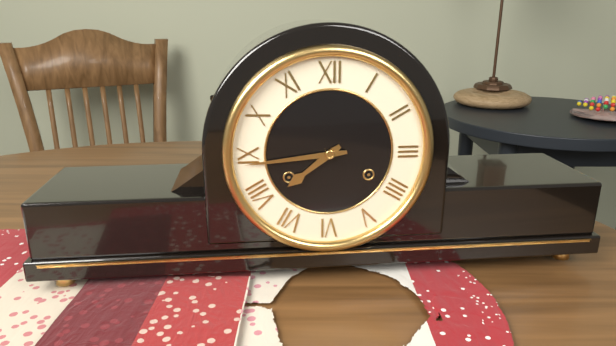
{"hour": 7, "minute": 44}
